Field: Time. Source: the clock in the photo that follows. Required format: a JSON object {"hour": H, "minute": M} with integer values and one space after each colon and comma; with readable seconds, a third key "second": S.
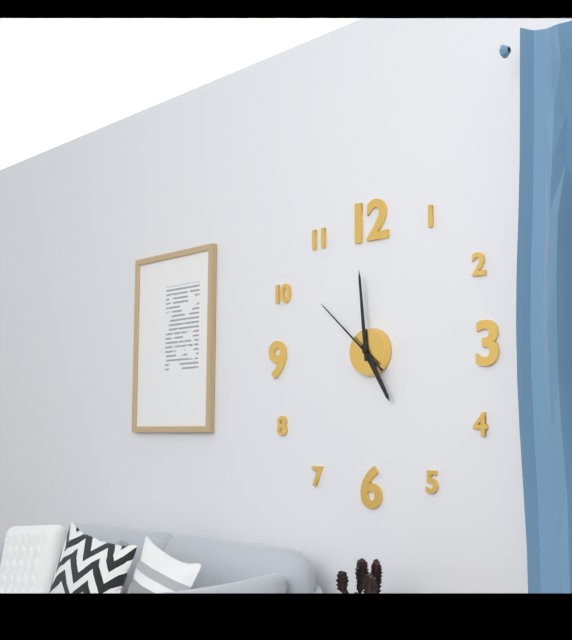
{"hour": 4, "minute": 59, "second": 52}
